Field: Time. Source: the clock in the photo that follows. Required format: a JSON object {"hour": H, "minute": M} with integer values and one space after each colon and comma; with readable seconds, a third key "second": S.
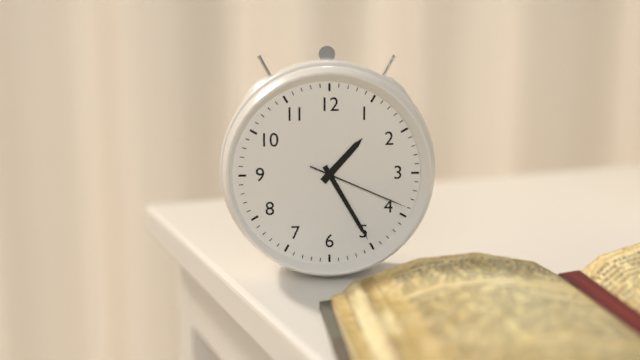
{"hour": 1, "minute": 25, "second": 19}
